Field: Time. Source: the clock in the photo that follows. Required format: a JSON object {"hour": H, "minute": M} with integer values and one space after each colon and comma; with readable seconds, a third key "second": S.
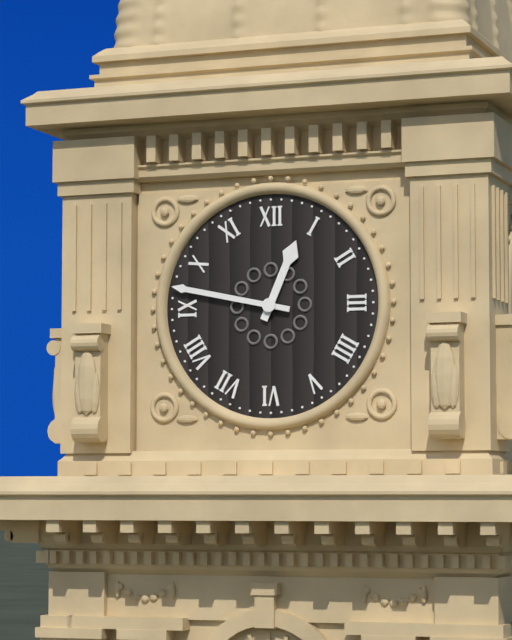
{"hour": 12, "minute": 47}
